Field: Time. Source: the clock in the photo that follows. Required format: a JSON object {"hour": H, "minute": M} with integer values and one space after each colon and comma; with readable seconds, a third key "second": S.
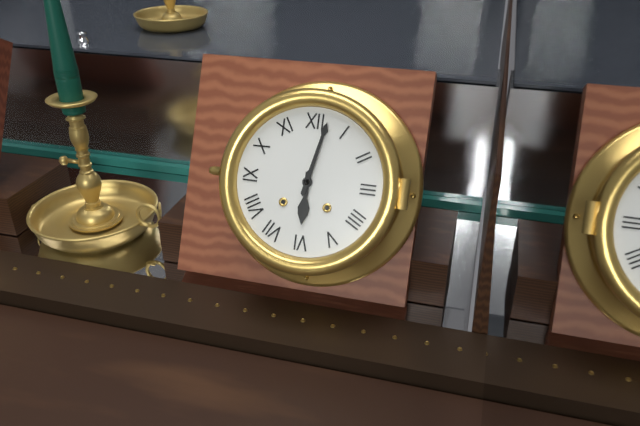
{"hour": 6, "minute": 2}
